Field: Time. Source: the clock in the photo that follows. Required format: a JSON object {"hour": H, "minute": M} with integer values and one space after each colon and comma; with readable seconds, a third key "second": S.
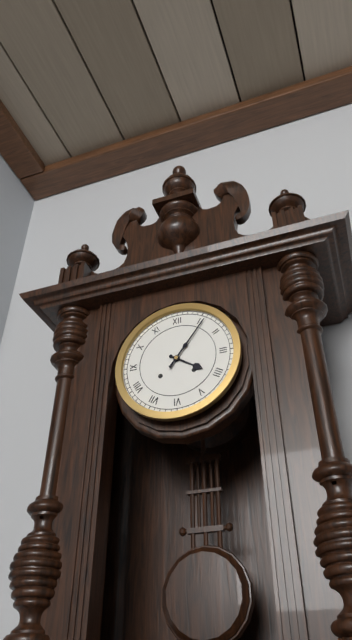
{"hour": 4, "minute": 6}
